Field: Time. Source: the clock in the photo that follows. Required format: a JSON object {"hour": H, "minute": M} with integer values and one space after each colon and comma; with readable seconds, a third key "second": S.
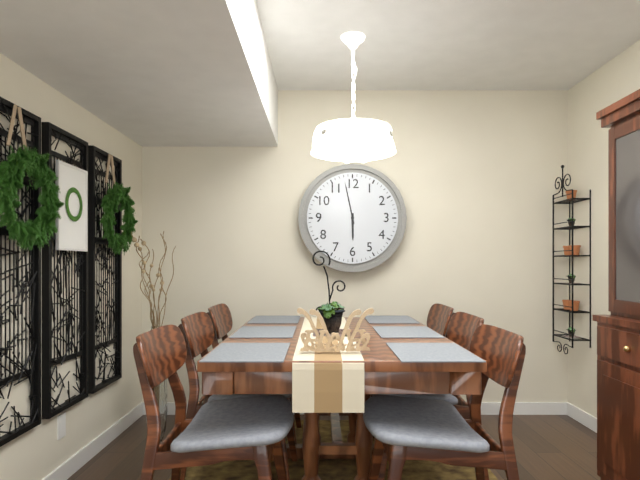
{"hour": 5, "minute": 58}
